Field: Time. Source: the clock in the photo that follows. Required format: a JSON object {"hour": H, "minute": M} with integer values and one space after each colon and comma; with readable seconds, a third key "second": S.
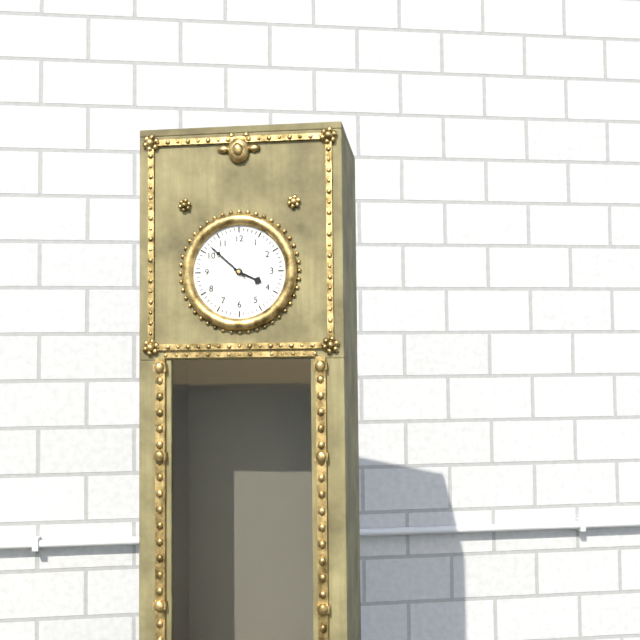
{"hour": 3, "minute": 52}
